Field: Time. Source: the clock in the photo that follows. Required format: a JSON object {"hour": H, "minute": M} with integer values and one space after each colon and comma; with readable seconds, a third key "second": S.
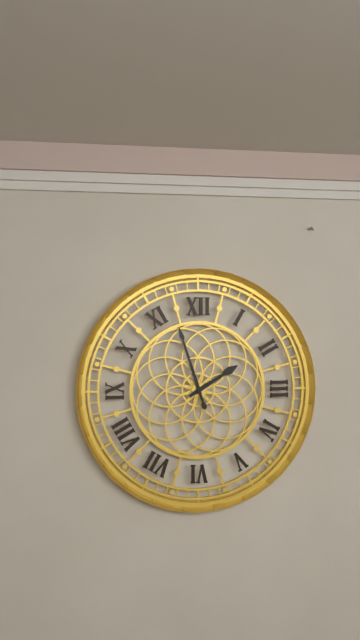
{"hour": 1, "minute": 57}
